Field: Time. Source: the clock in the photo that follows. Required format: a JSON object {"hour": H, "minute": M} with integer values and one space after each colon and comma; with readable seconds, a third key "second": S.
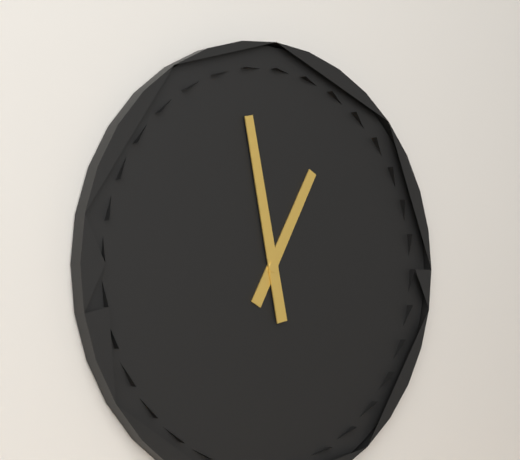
{"hour": 12, "minute": 58}
